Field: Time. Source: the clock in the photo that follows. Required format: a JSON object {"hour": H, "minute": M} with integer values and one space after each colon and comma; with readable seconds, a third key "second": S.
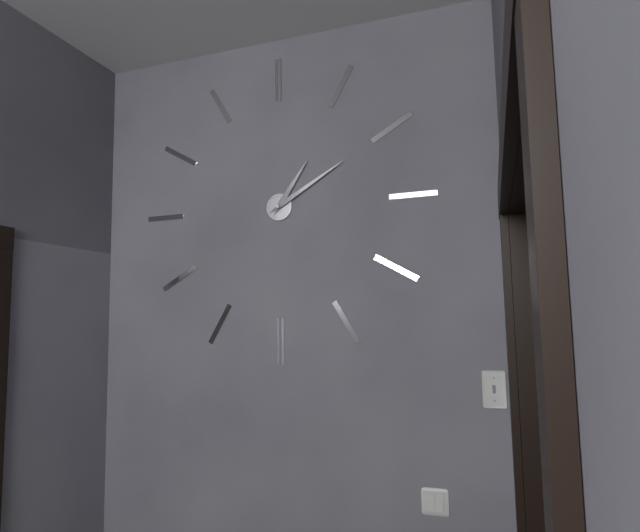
{"hour": 1, "minute": 10}
